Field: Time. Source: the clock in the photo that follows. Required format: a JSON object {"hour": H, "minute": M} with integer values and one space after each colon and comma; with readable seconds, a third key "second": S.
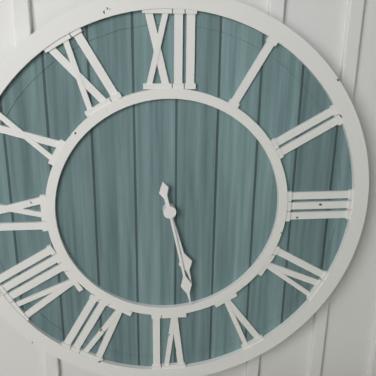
{"hour": 5, "minute": 28}
